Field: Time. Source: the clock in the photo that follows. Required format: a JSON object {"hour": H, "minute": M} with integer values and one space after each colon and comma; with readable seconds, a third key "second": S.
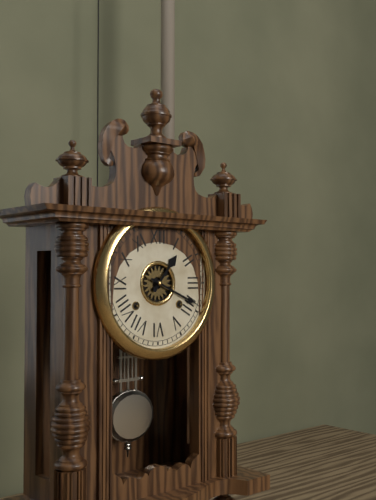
{"hour": 1, "minute": 19}
